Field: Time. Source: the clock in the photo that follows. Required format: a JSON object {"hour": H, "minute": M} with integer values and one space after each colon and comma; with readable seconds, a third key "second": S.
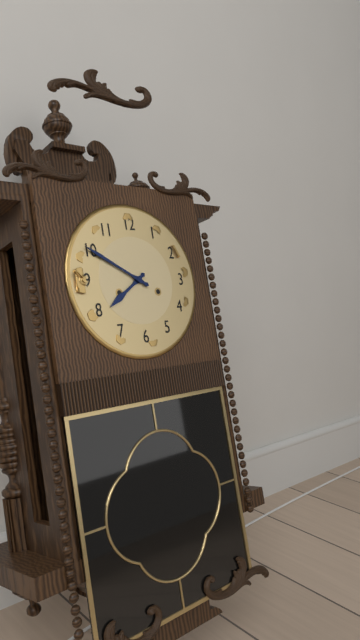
{"hour": 7, "minute": 50}
